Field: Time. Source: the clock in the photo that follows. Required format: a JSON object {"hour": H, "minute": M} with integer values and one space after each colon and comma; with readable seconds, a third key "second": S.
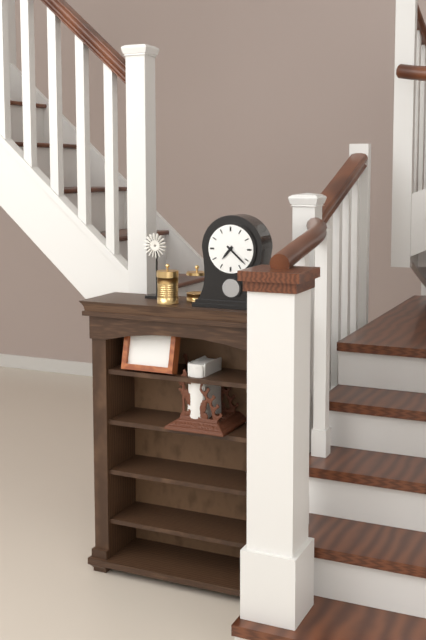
{"hour": 7, "minute": 22}
